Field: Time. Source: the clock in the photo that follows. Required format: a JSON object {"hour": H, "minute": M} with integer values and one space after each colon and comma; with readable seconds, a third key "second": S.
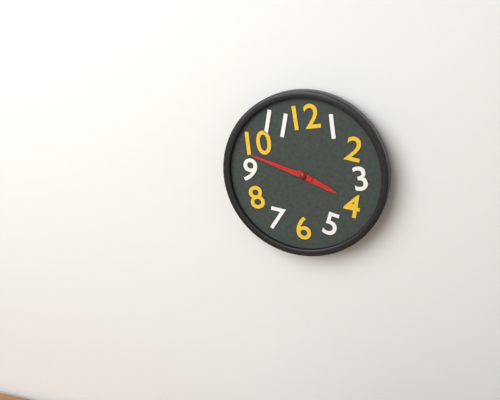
{"hour": 3, "minute": 48}
